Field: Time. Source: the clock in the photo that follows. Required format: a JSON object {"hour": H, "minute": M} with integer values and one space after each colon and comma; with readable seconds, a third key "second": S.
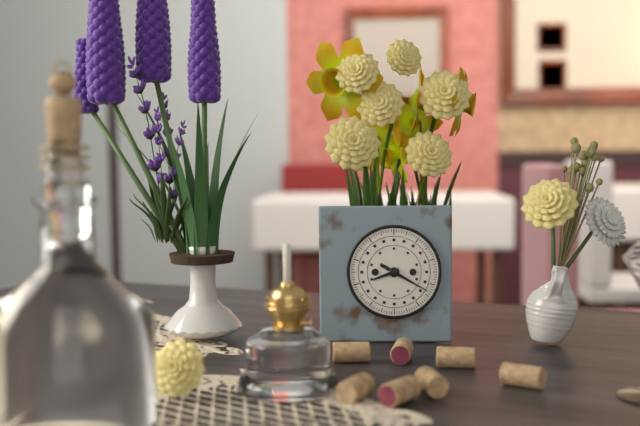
{"hour": 8, "minute": 20}
